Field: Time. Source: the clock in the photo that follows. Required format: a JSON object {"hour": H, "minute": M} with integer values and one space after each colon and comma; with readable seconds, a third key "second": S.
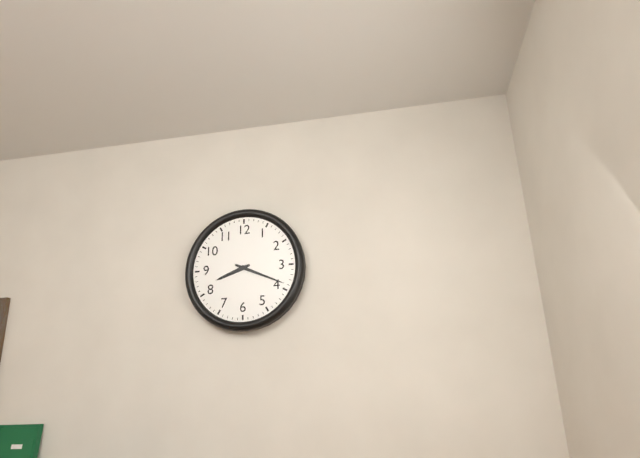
{"hour": 8, "minute": 19}
